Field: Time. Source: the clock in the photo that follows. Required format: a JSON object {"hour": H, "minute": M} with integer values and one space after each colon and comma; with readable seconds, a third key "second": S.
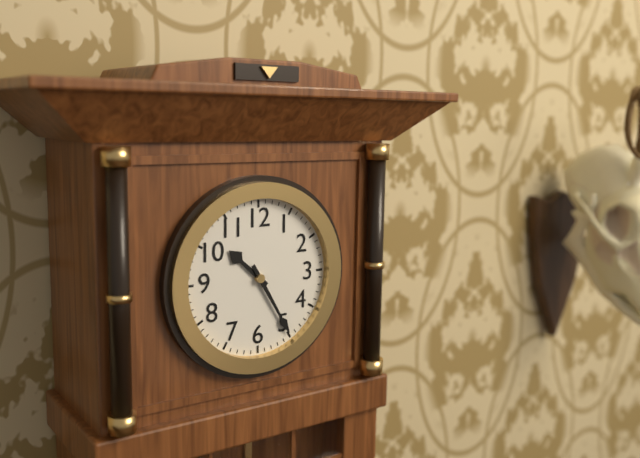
{"hour": 10, "minute": 25}
